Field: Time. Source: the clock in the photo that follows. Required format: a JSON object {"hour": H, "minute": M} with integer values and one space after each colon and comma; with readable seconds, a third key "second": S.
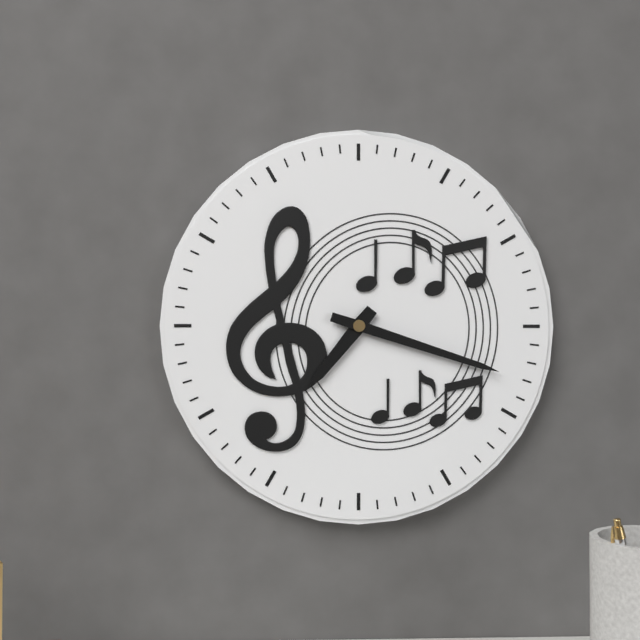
{"hour": 7, "minute": 18}
